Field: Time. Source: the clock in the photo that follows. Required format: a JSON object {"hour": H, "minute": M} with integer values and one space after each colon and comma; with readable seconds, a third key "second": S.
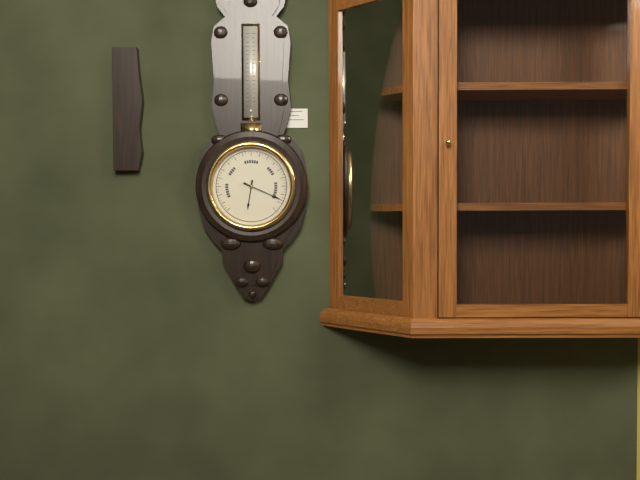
{"hour": 6, "minute": 19}
